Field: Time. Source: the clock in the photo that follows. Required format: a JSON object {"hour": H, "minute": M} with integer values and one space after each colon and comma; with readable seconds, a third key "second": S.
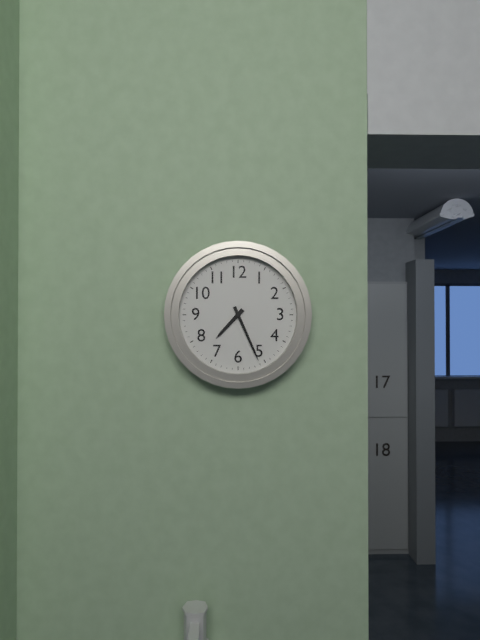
{"hour": 7, "minute": 26}
